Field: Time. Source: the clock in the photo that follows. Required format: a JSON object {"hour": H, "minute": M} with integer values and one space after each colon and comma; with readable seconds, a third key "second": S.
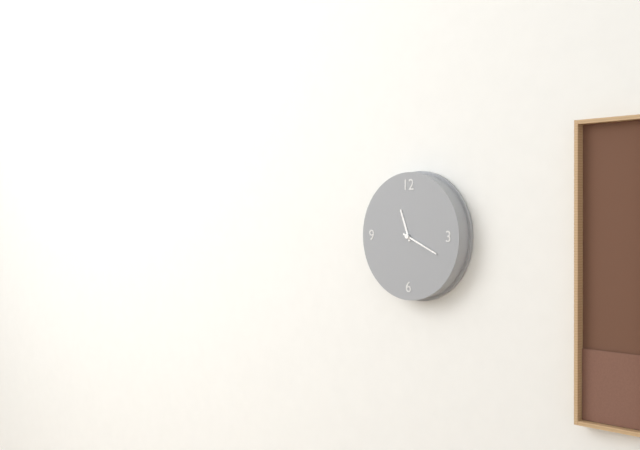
{"hour": 11, "minute": 19}
